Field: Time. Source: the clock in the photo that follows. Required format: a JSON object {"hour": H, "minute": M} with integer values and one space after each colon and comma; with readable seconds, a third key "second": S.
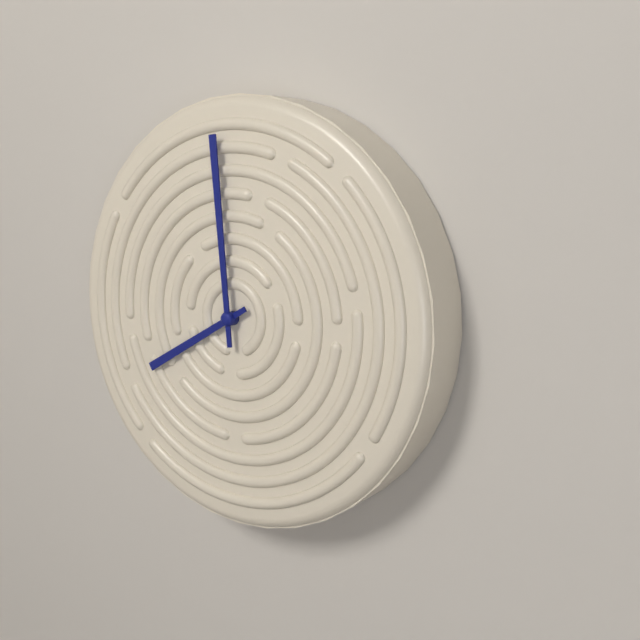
{"hour": 7, "minute": 59}
